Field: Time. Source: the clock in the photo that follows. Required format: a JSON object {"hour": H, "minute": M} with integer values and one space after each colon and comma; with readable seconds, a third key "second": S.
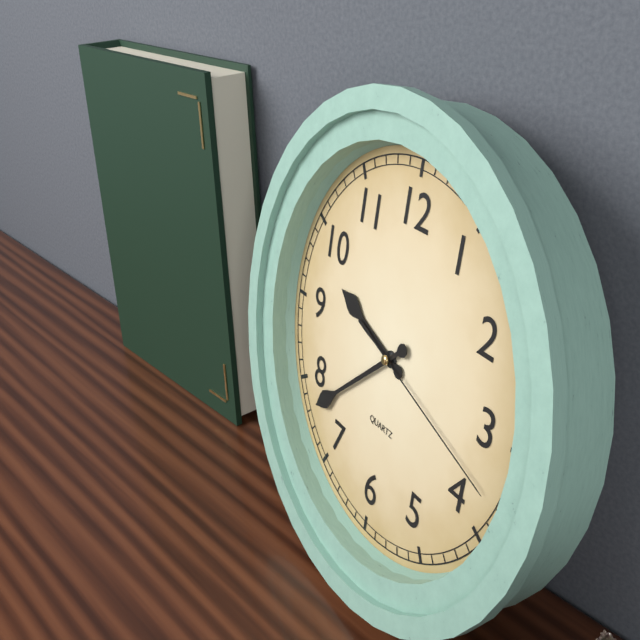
{"hour": 9, "minute": 38, "second": 18}
